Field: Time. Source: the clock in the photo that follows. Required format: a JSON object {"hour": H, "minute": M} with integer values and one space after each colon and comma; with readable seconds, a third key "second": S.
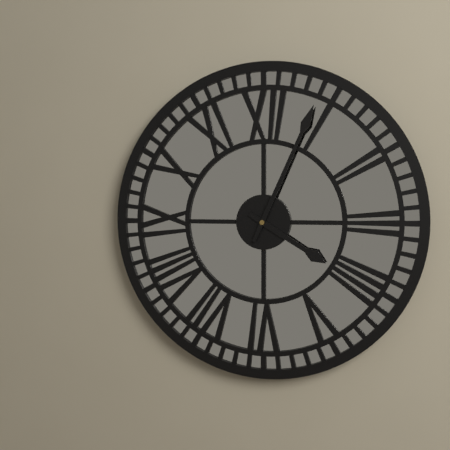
{"hour": 4, "minute": 4}
